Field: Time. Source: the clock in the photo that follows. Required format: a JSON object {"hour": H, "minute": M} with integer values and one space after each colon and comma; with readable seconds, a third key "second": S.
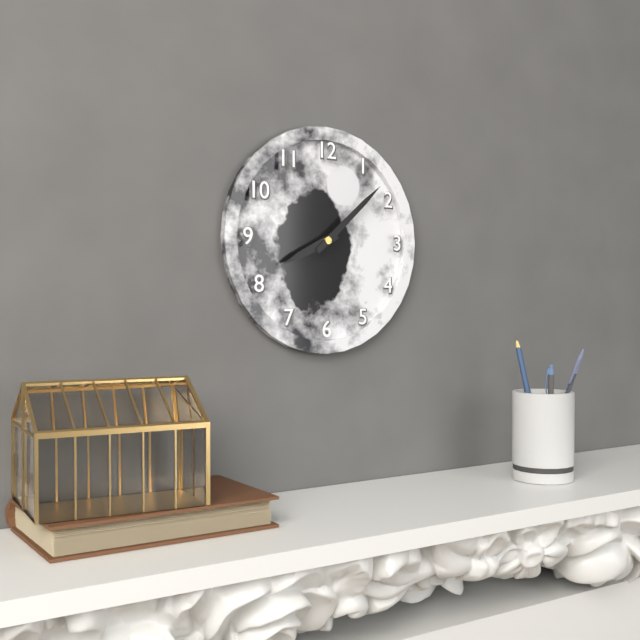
{"hour": 8, "minute": 8}
